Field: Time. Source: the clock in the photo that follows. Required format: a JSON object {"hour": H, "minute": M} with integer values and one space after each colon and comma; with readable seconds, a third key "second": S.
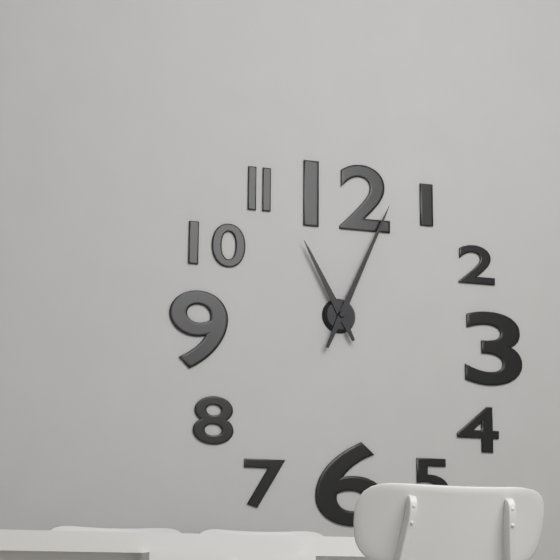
{"hour": 11, "minute": 4}
